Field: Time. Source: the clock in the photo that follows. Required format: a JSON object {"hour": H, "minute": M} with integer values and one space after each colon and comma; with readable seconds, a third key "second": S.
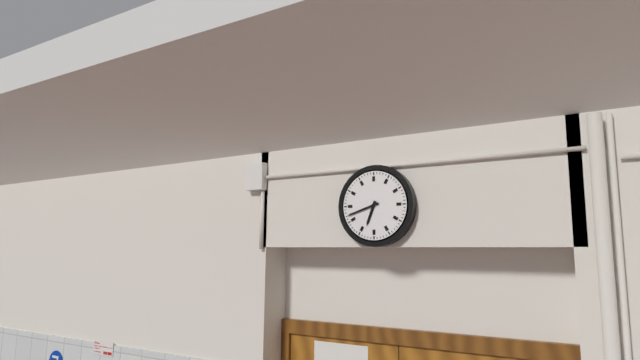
{"hour": 6, "minute": 42}
